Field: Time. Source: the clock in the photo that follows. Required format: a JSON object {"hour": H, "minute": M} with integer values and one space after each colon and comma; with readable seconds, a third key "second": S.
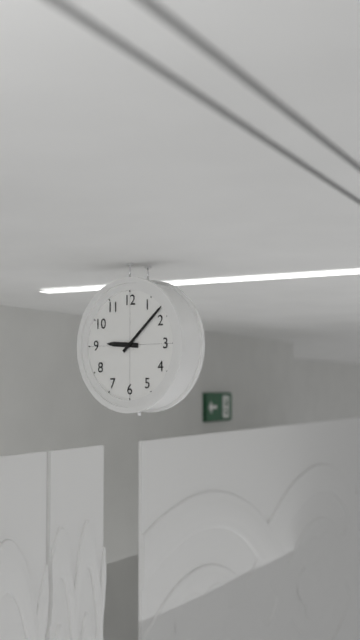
{"hour": 9, "minute": 8}
